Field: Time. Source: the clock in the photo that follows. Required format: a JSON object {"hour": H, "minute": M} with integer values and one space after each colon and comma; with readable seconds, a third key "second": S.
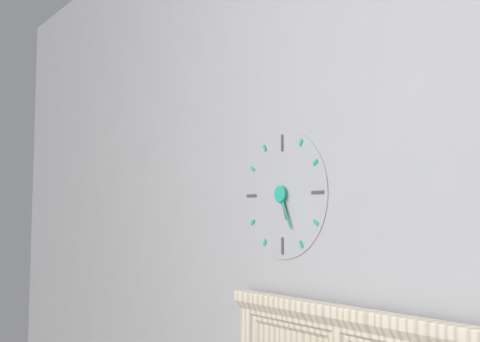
{"hour": 5, "minute": 26}
